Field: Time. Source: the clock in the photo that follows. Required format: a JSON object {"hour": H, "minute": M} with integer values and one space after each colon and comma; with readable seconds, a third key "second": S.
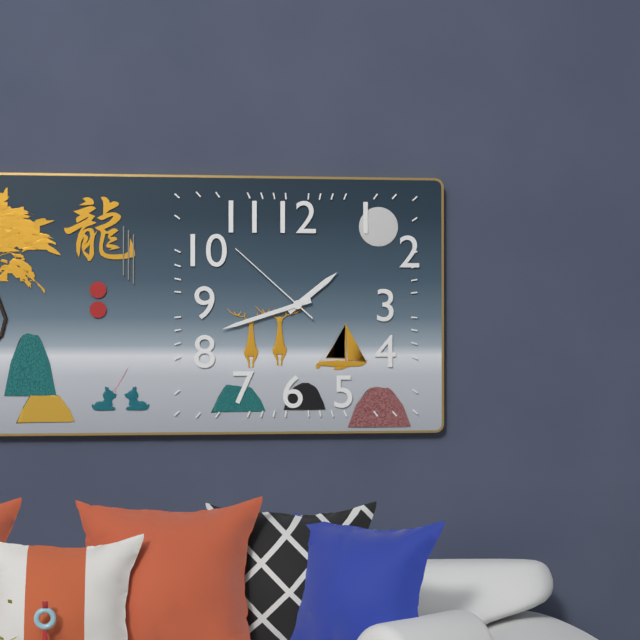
{"hour": 1, "minute": 42, "second": 52}
